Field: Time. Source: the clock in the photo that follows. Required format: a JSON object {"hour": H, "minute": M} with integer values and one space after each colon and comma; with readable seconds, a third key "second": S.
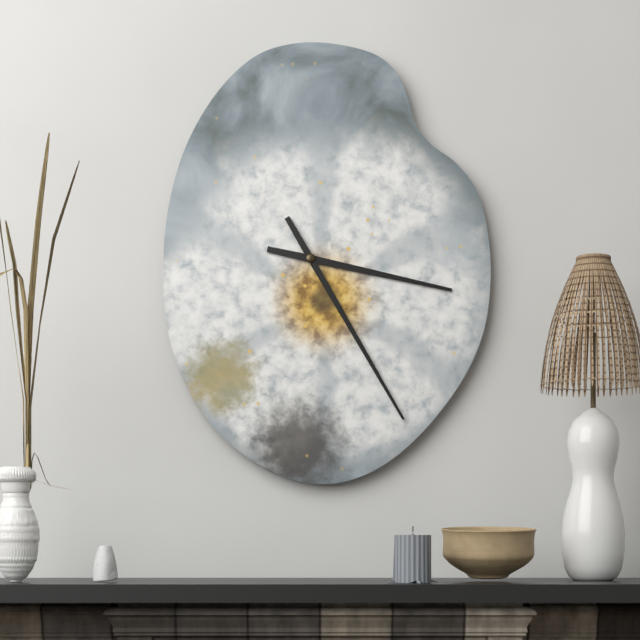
{"hour": 3, "minute": 25}
